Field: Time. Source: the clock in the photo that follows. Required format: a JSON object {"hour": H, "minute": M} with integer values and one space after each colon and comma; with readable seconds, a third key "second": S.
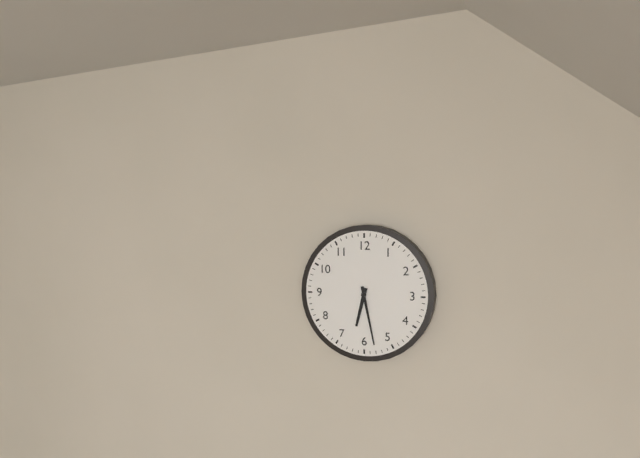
{"hour": 6, "minute": 28}
